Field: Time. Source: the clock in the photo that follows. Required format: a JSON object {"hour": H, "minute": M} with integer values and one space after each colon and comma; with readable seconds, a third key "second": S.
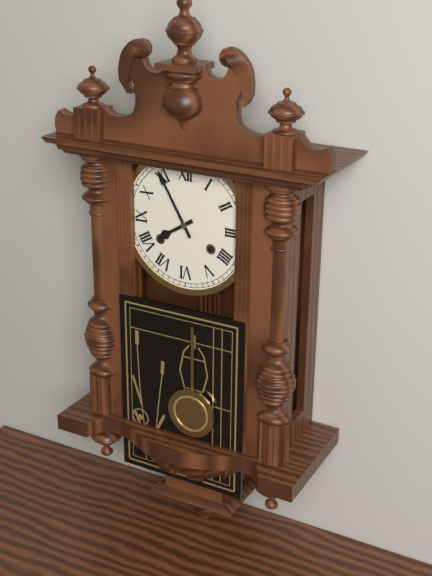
{"hour": 7, "minute": 55}
